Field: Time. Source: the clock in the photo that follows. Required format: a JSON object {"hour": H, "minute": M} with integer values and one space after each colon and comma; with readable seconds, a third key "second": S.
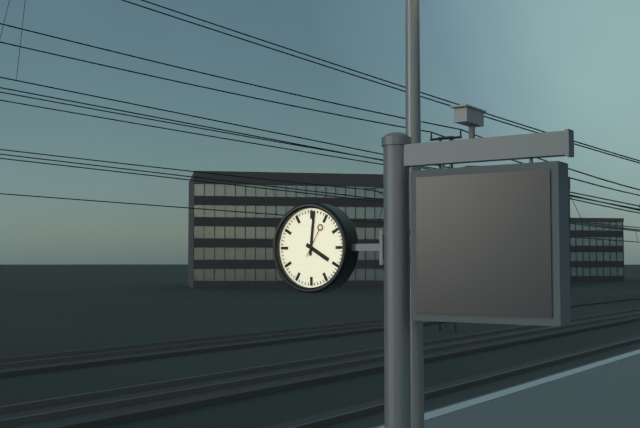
{"hour": 4, "minute": 1}
